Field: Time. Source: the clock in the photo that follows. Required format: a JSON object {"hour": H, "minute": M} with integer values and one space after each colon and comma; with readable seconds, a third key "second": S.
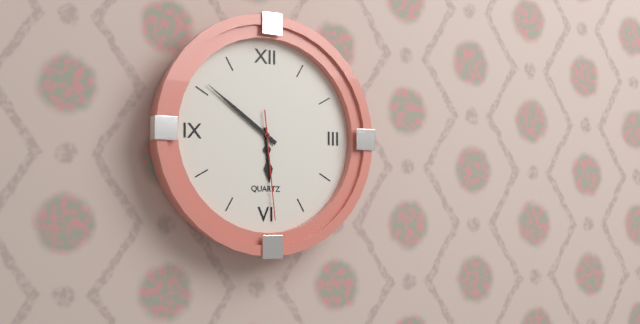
{"hour": 5, "minute": 51, "second": 29}
